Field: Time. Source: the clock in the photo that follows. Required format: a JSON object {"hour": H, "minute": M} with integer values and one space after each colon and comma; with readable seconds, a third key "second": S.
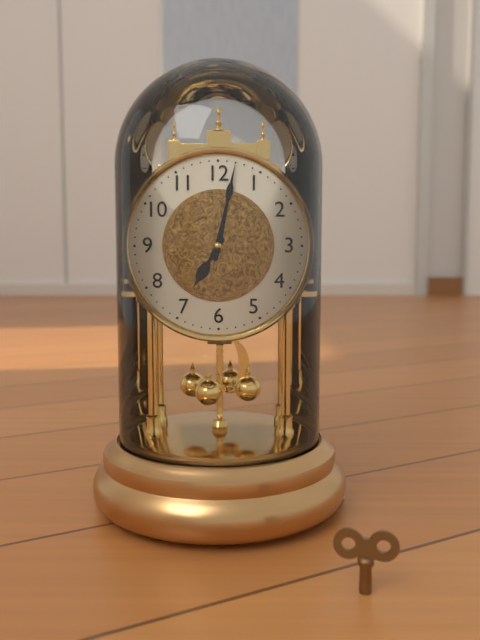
{"hour": 7, "minute": 2}
